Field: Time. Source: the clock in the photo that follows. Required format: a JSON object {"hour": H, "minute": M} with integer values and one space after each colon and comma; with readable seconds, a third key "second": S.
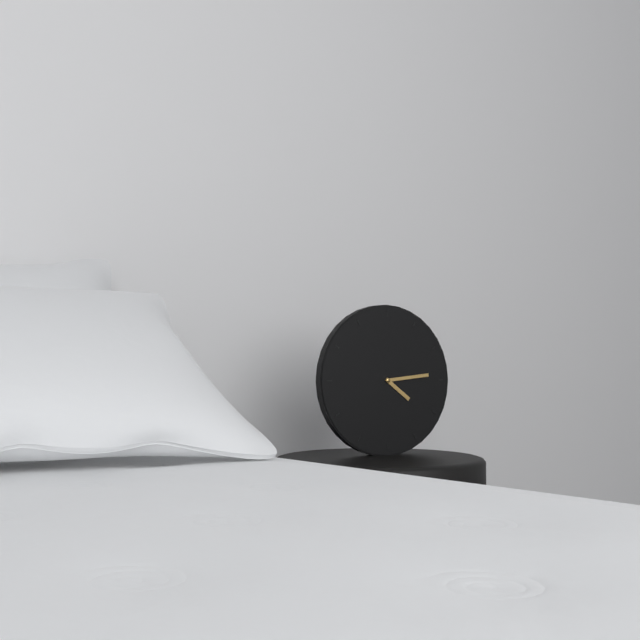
{"hour": 4, "minute": 14}
